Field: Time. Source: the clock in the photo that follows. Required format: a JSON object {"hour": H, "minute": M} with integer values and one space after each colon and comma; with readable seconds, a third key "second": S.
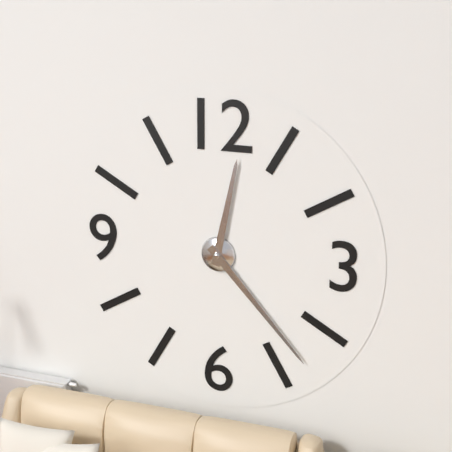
{"hour": 12, "minute": 23}
